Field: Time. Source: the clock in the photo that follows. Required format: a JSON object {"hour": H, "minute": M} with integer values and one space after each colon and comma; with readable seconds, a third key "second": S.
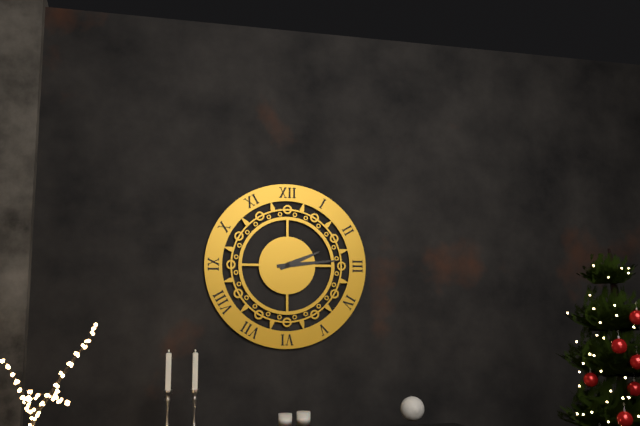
{"hour": 2, "minute": 14}
